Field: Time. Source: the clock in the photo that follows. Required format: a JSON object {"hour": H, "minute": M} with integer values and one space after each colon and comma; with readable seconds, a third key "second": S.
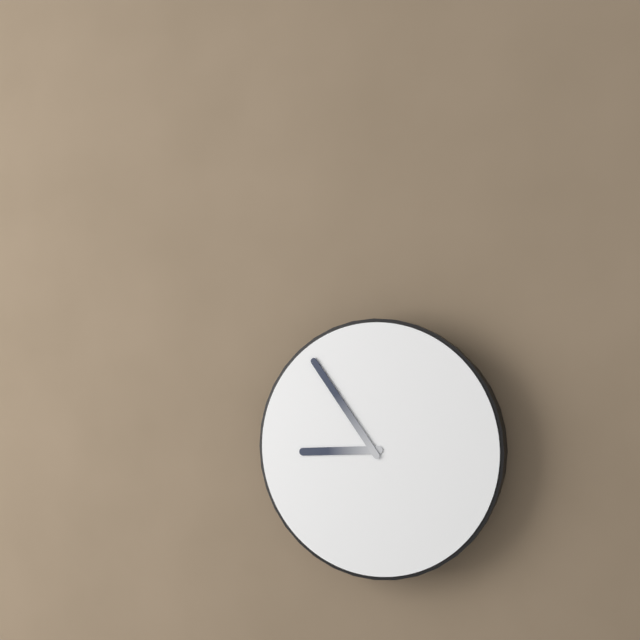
{"hour": 8, "minute": 54}
